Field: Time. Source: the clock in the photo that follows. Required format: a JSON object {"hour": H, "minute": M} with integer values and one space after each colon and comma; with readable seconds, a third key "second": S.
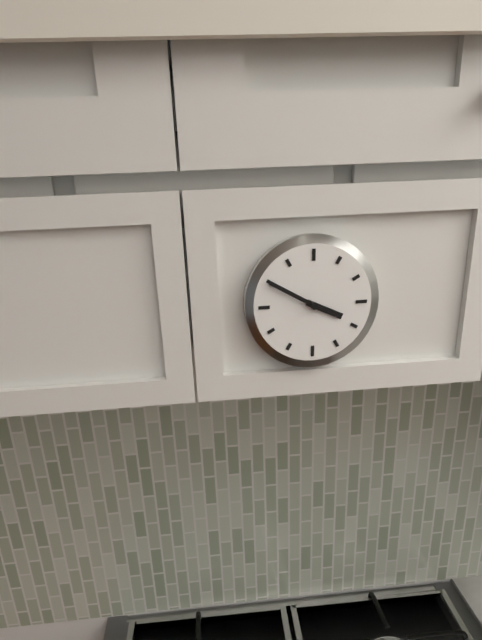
{"hour": 3, "minute": 50}
